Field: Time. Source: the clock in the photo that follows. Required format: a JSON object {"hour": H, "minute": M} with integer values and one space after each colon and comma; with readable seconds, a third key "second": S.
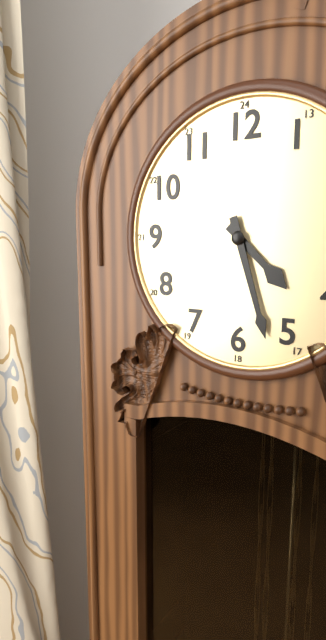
{"hour": 4, "minute": 27}
